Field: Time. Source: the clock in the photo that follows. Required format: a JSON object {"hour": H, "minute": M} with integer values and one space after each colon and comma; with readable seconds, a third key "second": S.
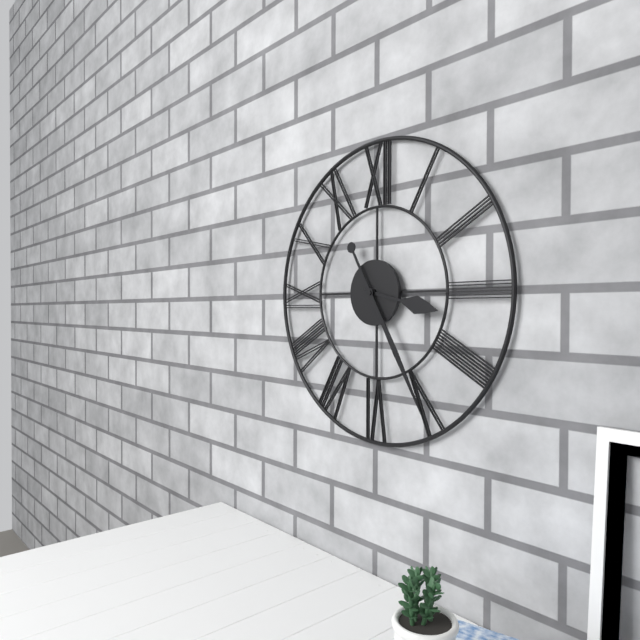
{"hour": 3, "minute": 25}
